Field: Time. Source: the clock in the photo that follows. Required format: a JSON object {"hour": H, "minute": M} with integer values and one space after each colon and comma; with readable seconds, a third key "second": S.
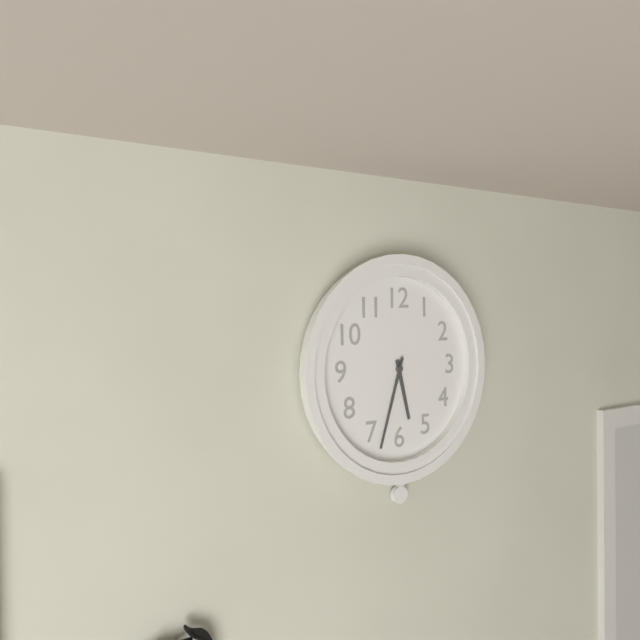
{"hour": 5, "minute": 33}
